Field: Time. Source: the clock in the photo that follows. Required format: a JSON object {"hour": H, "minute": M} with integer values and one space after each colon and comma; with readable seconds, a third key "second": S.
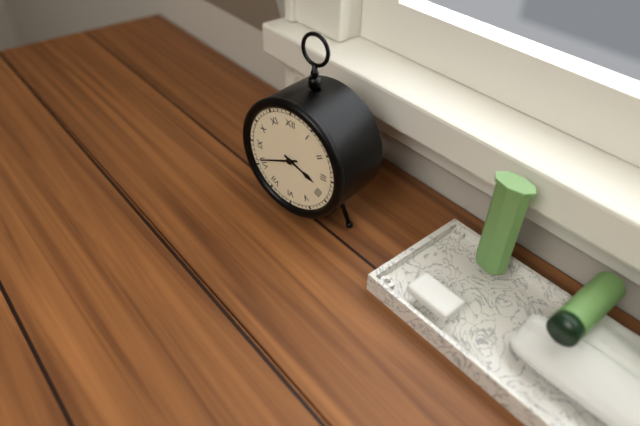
{"hour": 3, "minute": 41}
